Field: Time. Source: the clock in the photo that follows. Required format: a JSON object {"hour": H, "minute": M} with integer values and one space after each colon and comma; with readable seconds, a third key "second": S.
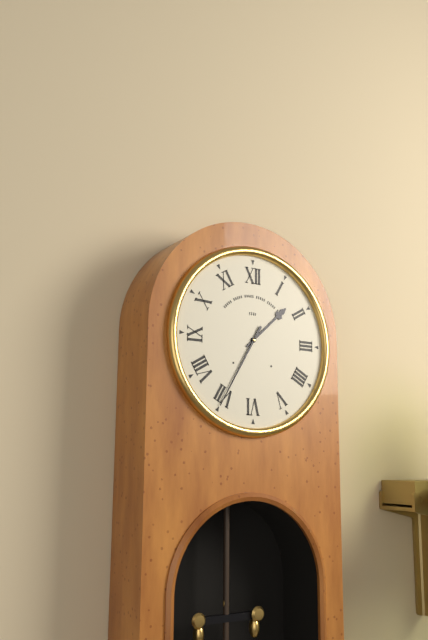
{"hour": 1, "minute": 35}
